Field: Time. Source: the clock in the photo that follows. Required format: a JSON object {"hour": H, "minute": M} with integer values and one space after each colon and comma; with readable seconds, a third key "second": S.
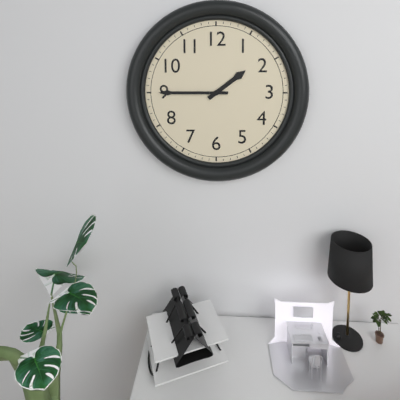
{"hour": 1, "minute": 45}
